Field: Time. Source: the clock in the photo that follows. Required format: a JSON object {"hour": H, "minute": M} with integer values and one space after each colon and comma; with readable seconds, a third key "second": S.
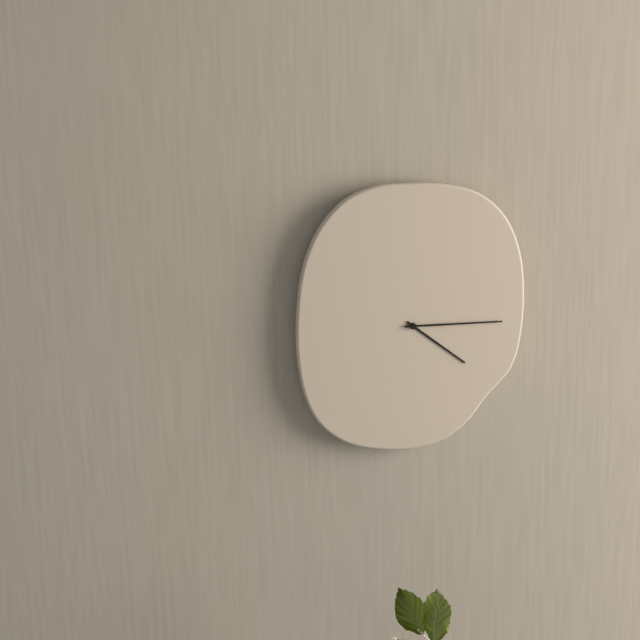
{"hour": 4, "minute": 15}
